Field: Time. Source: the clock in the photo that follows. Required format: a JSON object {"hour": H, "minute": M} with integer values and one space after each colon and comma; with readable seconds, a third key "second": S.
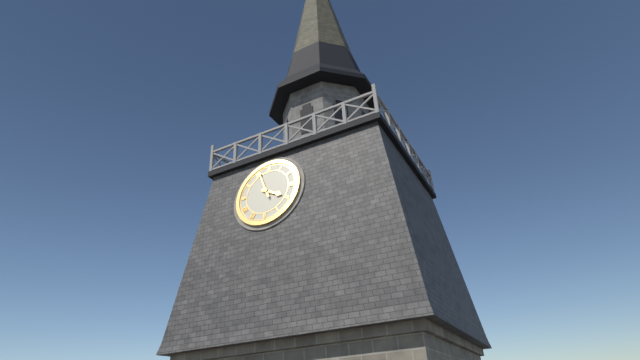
{"hour": 3, "minute": 56}
